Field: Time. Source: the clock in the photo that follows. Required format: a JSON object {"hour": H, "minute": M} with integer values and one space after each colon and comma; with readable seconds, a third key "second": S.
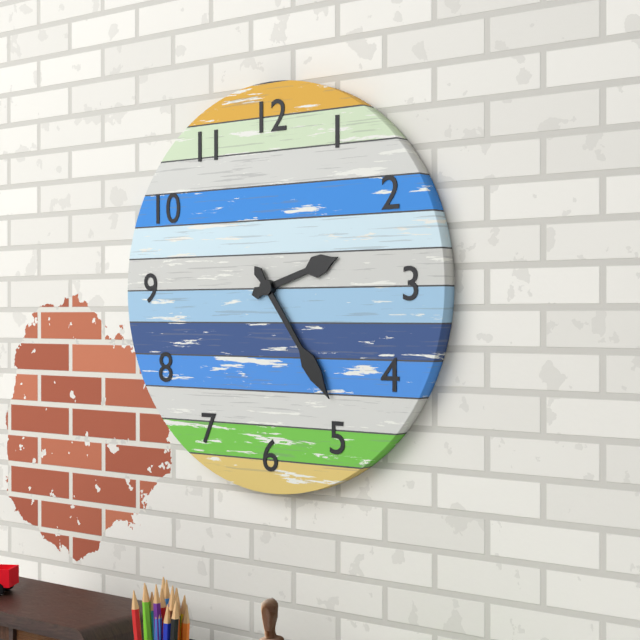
{"hour": 2, "minute": 24}
